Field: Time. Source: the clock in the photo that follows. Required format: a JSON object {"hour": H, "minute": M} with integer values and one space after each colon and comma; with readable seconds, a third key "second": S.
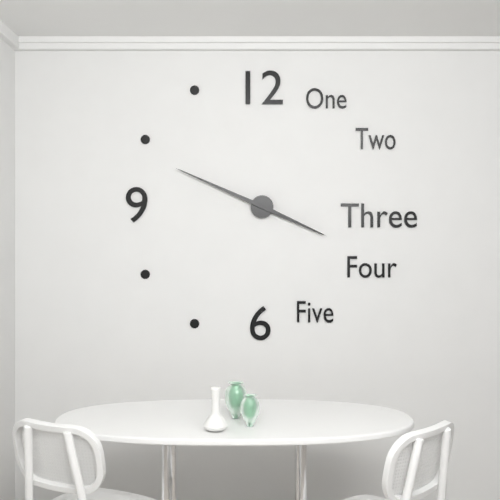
{"hour": 3, "minute": 49}
